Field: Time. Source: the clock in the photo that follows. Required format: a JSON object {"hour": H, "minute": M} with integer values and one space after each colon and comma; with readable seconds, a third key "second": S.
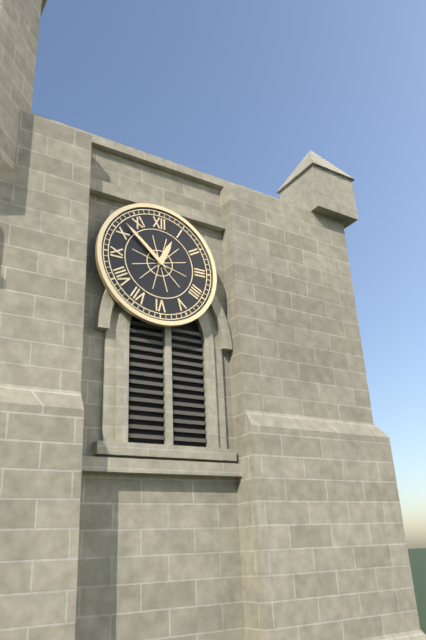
{"hour": 12, "minute": 52}
